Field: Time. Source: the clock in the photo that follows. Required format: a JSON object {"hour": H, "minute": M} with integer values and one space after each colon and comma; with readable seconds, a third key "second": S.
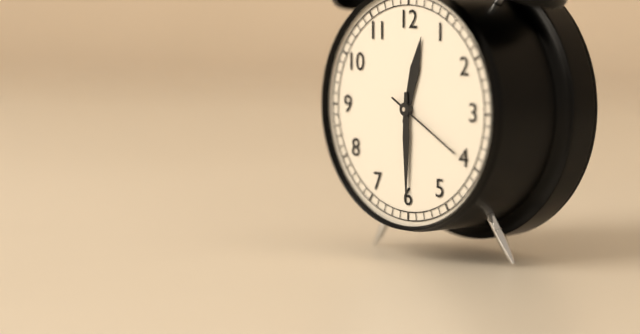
{"hour": 12, "minute": 30, "second": 20}
